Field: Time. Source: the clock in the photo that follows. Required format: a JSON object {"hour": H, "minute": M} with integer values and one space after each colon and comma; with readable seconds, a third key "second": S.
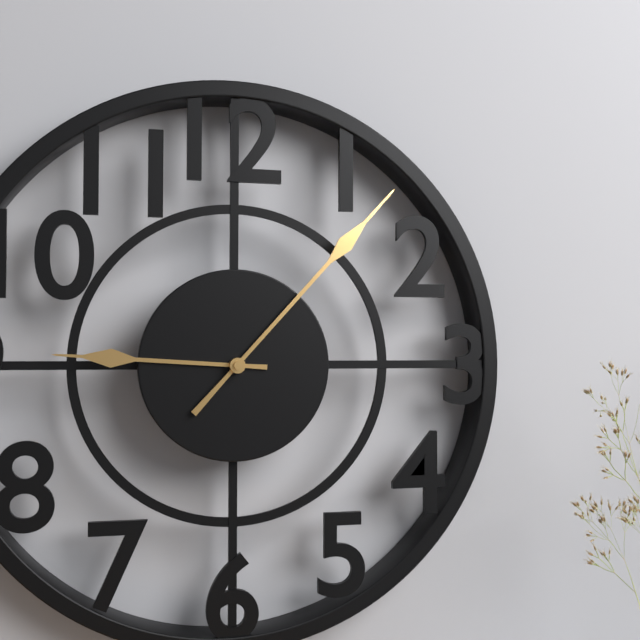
{"hour": 9, "minute": 7}
